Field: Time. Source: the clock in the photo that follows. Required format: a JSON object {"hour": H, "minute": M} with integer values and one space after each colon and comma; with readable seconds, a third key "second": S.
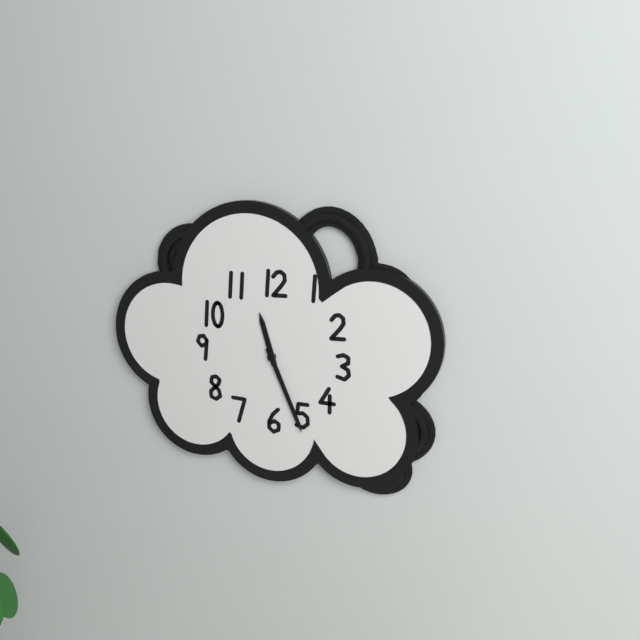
{"hour": 11, "minute": 26}
